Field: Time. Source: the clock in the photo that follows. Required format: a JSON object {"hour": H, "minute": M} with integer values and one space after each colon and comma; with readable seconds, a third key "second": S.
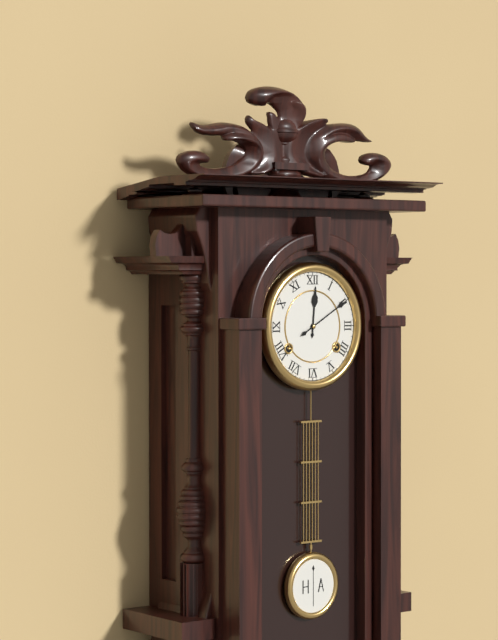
{"hour": 12, "minute": 10}
